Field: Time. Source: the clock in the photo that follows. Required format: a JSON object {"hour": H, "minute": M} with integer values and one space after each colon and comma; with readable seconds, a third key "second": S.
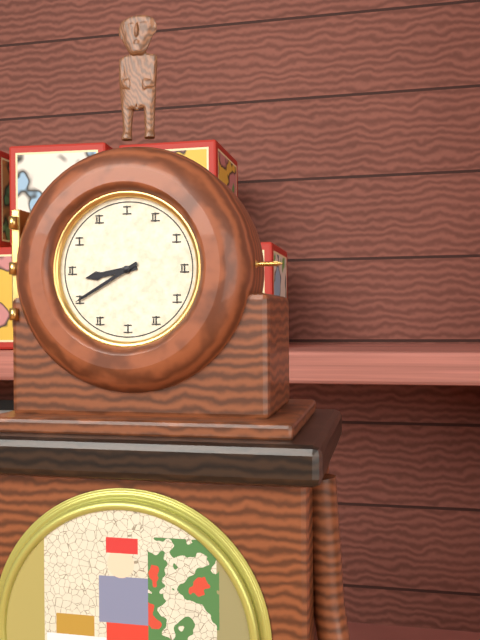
{"hour": 8, "minute": 40}
